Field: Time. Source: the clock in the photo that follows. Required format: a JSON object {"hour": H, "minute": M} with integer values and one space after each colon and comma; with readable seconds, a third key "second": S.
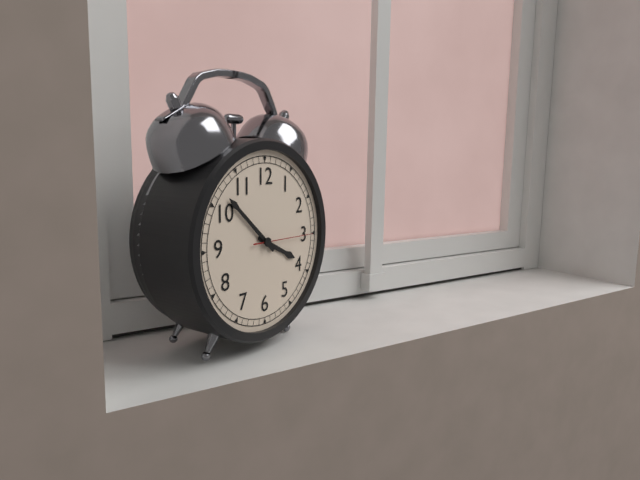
{"hour": 3, "minute": 52, "second": 15}
